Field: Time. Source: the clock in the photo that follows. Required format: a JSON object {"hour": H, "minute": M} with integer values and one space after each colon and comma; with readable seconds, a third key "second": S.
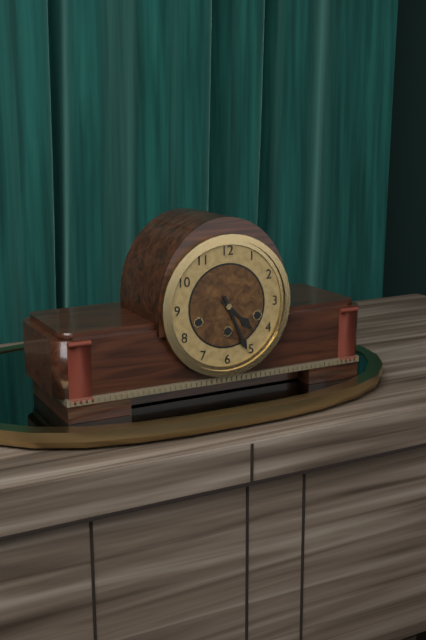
{"hour": 4, "minute": 26}
